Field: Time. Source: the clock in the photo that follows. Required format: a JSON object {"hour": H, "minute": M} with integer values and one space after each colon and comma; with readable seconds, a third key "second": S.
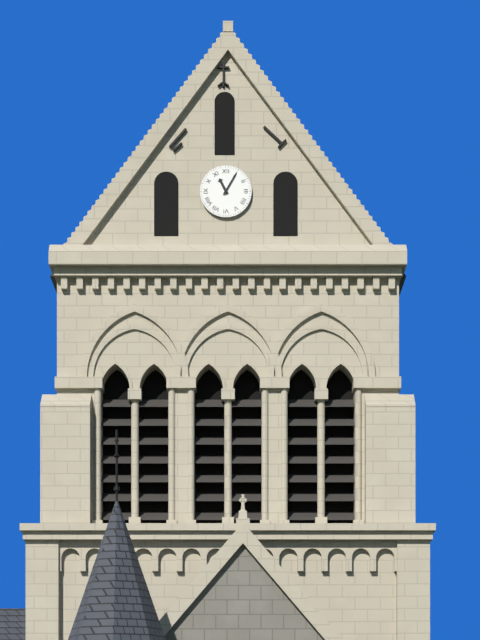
{"hour": 11, "minute": 5}
